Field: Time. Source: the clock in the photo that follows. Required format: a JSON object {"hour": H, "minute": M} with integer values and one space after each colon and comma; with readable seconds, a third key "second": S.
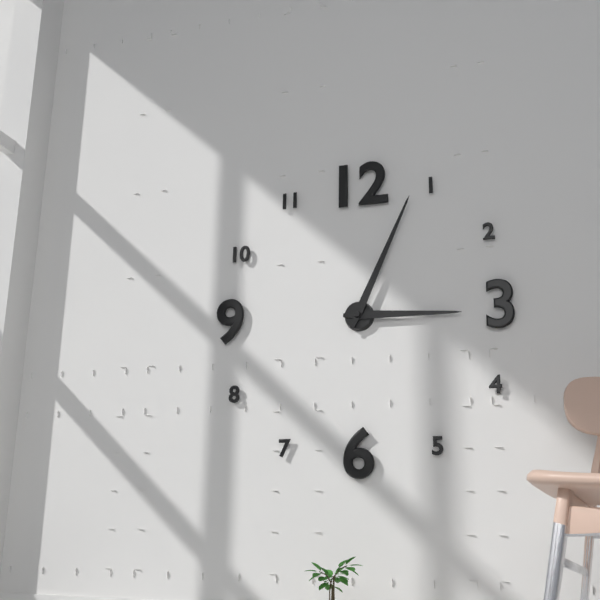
{"hour": 3, "minute": 4}
